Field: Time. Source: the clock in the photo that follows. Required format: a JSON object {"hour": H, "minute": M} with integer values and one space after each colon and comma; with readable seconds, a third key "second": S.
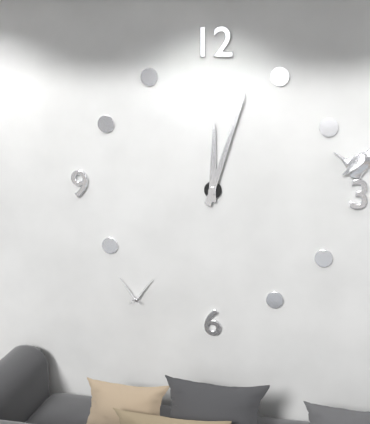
{"hour": 12, "minute": 3}
